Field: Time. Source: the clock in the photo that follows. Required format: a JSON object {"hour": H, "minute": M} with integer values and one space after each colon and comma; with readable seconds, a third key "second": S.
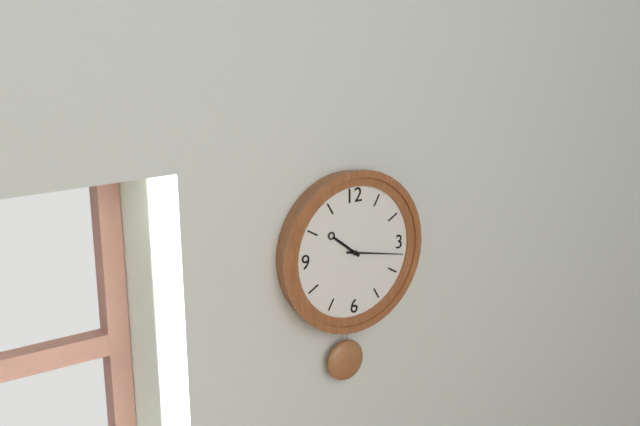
{"hour": 10, "minute": 17}
